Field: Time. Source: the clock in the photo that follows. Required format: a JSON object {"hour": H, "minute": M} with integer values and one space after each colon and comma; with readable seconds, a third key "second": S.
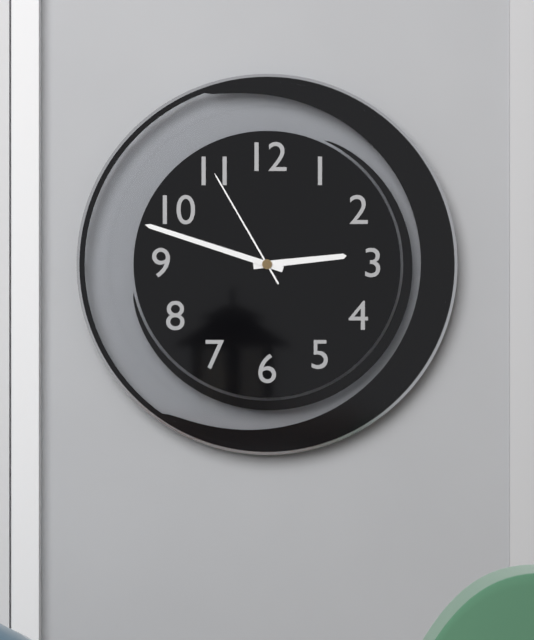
{"hour": 2, "minute": 48, "second": 55}
